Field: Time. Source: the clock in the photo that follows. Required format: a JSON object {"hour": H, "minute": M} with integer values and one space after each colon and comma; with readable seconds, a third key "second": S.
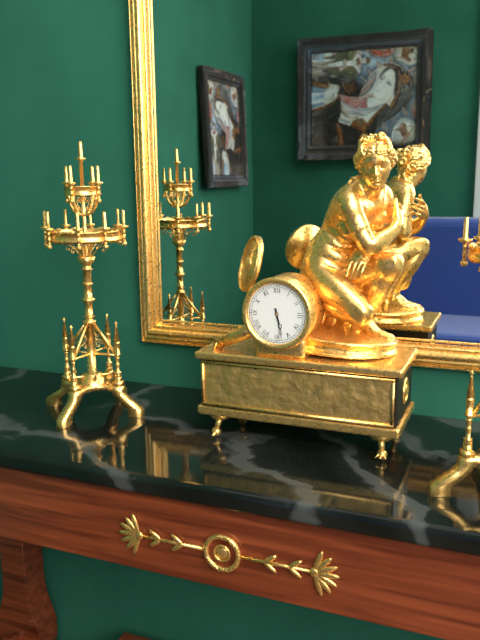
{"hour": 5, "minute": 28}
